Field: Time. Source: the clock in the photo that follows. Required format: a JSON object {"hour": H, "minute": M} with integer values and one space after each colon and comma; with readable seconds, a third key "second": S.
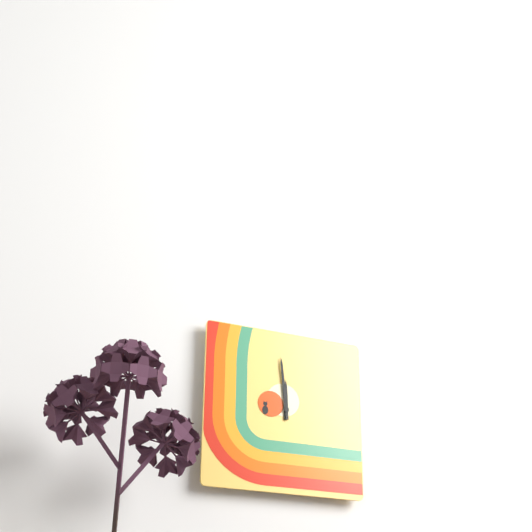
{"hour": 11, "minute": 59}
